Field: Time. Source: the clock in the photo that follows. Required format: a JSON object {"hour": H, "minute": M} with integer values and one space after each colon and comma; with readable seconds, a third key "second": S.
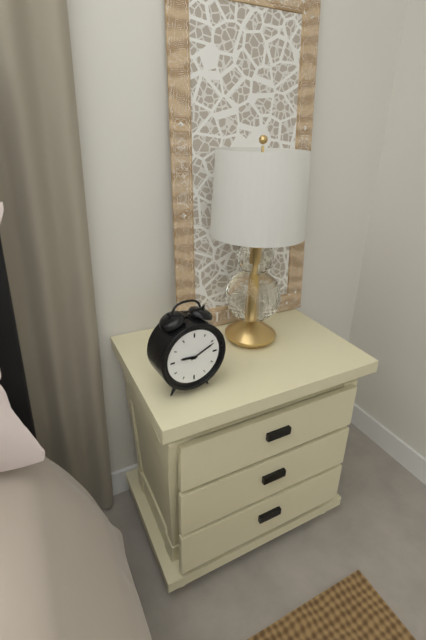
{"hour": 9, "minute": 11}
